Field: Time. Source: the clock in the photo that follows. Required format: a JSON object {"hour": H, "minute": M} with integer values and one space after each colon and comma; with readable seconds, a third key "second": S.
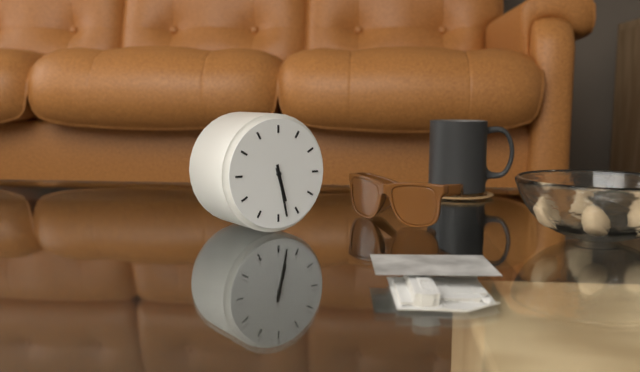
{"hour": 5, "minute": 28}
